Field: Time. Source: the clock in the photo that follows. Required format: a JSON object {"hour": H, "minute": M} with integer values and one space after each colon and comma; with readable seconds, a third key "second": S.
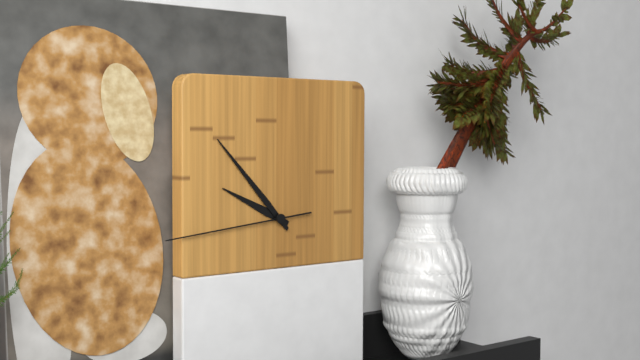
{"hour": 9, "minute": 53, "second": 44}
